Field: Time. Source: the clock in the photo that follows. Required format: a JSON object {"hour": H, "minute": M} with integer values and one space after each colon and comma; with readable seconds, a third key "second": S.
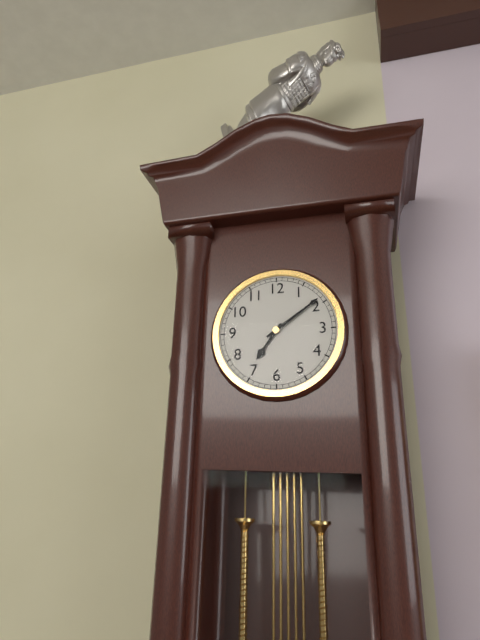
{"hour": 7, "minute": 9}
